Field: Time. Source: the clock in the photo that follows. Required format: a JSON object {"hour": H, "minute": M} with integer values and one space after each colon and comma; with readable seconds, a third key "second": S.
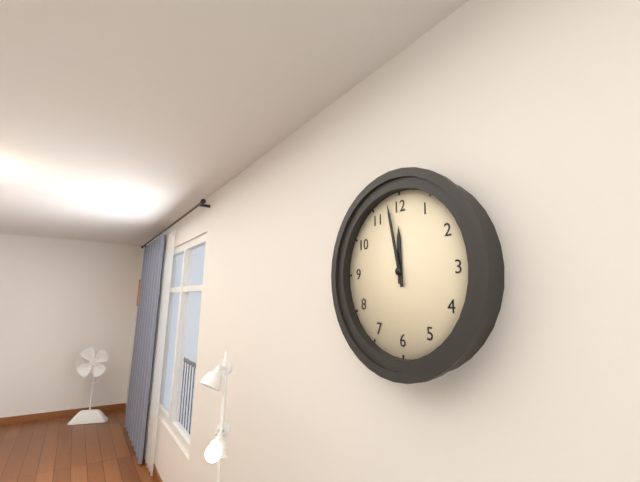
{"hour": 11, "minute": 58}
